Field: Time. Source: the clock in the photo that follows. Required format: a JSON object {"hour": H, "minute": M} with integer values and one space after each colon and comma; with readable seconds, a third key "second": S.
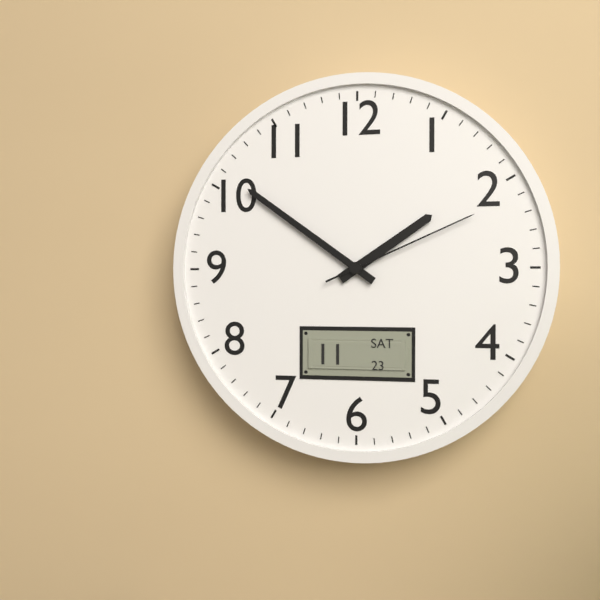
{"hour": 1, "minute": 51, "second": 11}
